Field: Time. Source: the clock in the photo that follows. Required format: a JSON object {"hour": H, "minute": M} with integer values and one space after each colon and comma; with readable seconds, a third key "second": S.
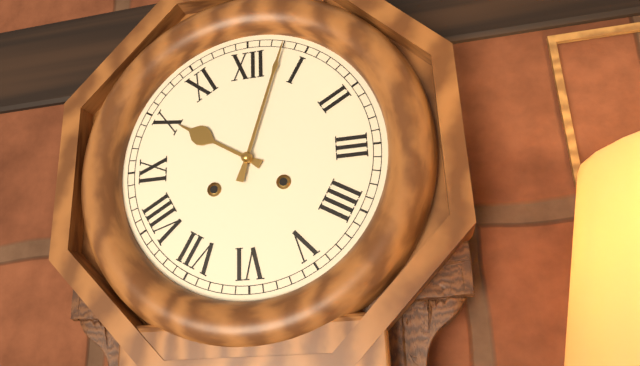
{"hour": 10, "minute": 3}
